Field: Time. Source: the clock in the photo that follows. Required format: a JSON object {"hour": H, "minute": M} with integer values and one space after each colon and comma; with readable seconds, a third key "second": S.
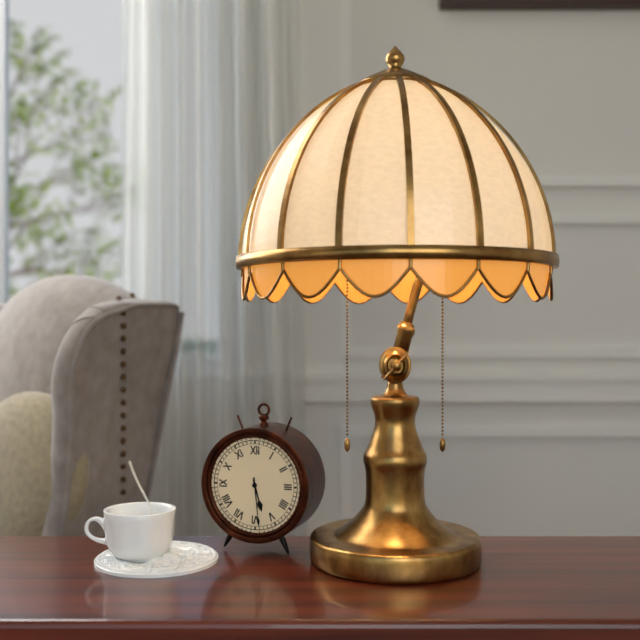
{"hour": 5, "minute": 29}
